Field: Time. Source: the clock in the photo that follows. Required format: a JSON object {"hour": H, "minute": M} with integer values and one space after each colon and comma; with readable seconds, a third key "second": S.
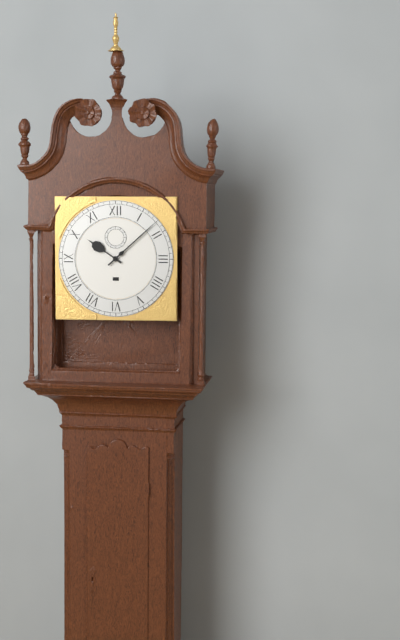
{"hour": 10, "minute": 8}
